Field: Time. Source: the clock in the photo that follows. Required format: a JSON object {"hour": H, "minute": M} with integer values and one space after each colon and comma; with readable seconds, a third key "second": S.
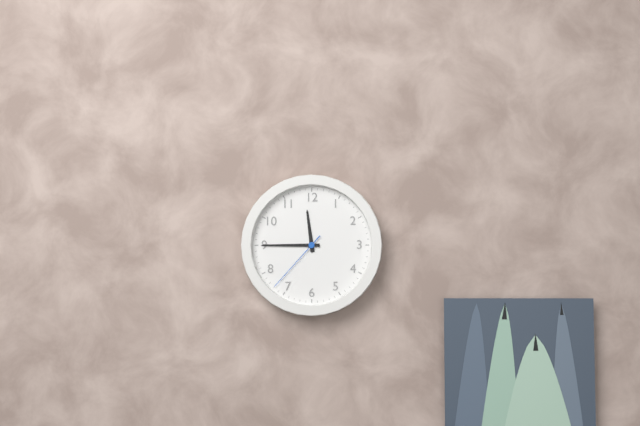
{"hour": 11, "minute": 45, "second": 37}
